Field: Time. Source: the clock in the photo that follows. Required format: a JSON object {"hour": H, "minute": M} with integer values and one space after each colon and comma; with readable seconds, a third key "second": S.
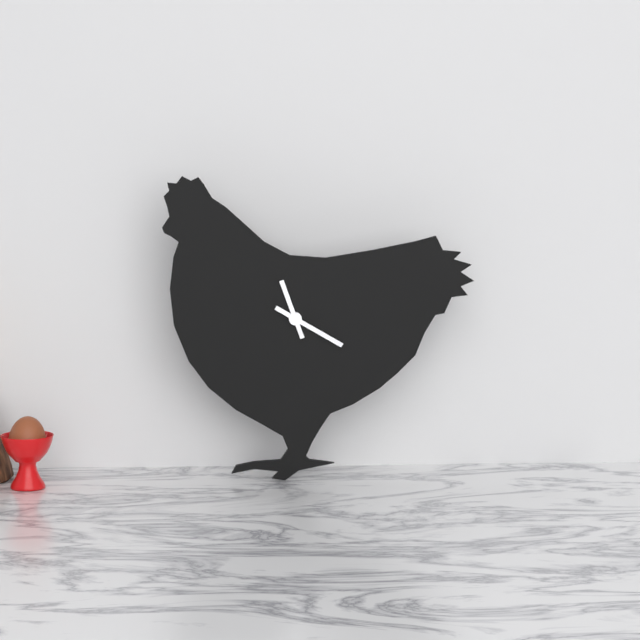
{"hour": 11, "minute": 20}
